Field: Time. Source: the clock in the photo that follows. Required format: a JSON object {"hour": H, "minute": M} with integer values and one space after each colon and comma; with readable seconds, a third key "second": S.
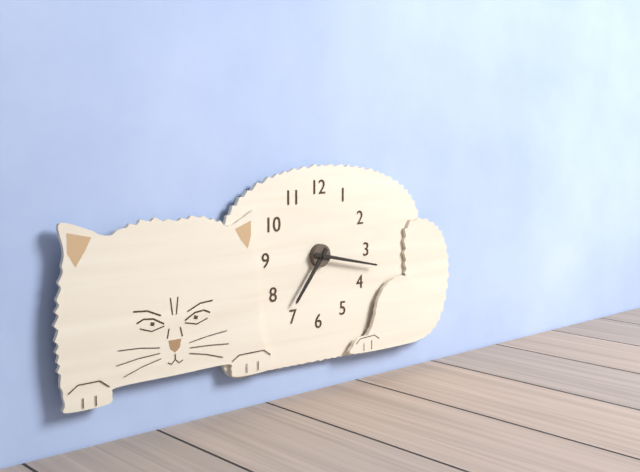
{"hour": 7, "minute": 17}
